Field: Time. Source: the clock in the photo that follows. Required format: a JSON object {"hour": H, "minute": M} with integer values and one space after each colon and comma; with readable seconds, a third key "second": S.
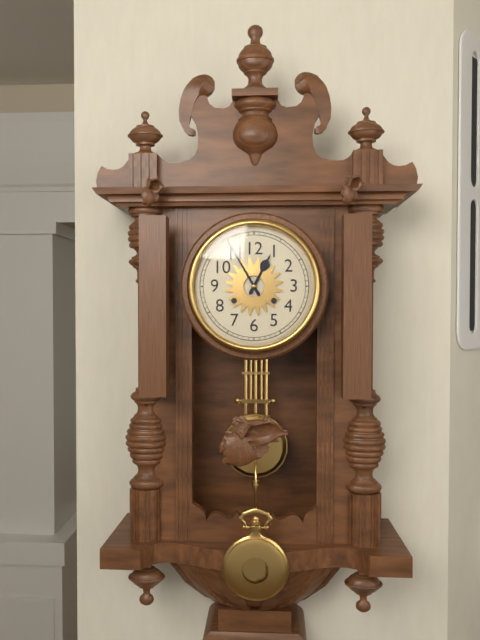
{"hour": 12, "minute": 55}
